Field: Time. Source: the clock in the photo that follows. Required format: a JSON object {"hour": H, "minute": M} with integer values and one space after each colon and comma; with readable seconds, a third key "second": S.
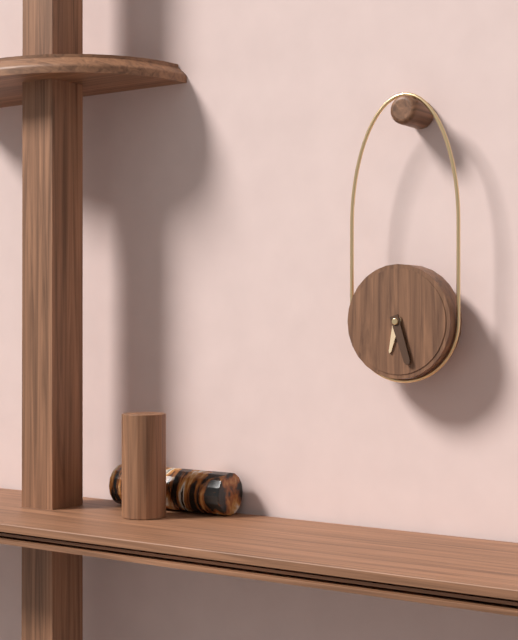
{"hour": 6, "minute": 27}
